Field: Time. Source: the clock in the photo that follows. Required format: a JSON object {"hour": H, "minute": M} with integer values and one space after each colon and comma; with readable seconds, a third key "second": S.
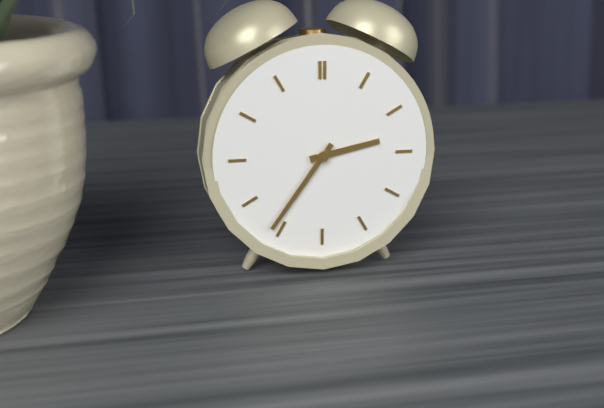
{"hour": 2, "minute": 36}
